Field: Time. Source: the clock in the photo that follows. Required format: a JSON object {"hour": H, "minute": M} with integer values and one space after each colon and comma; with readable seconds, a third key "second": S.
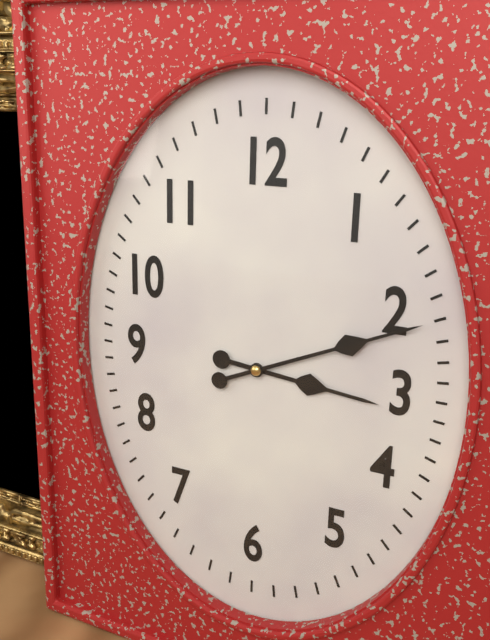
{"hour": 3, "minute": 11}
